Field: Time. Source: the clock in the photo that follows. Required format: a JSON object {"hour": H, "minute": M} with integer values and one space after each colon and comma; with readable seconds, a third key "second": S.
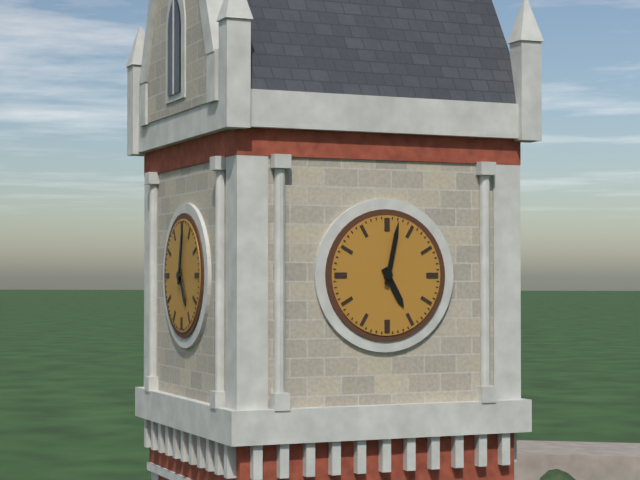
{"hour": 5, "minute": 2}
